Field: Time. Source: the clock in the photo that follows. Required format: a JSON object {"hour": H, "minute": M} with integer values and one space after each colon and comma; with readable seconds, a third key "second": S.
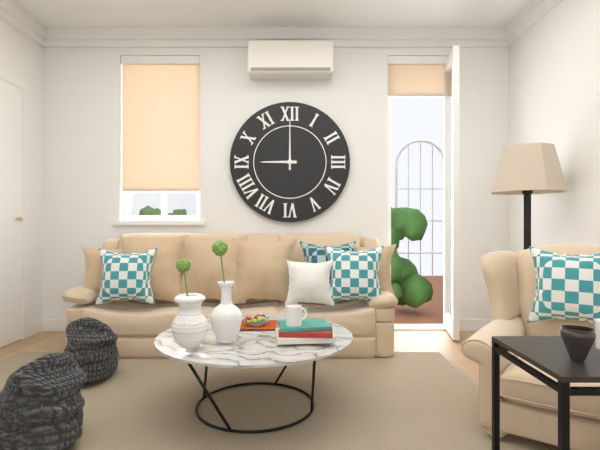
{"hour": 9, "minute": 0}
